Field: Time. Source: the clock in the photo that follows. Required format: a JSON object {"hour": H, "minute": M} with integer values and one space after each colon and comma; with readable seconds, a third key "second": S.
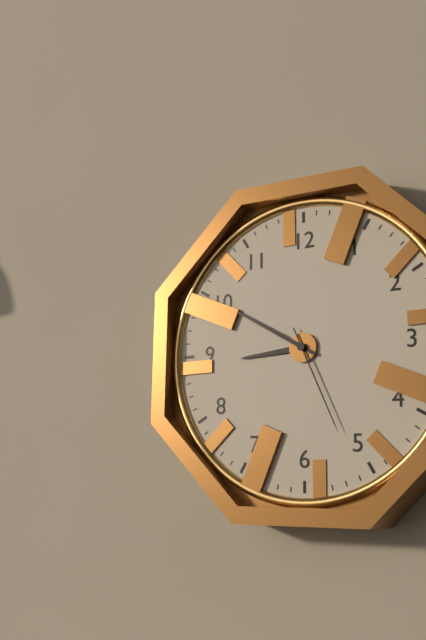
{"hour": 8, "minute": 50, "second": 26}
